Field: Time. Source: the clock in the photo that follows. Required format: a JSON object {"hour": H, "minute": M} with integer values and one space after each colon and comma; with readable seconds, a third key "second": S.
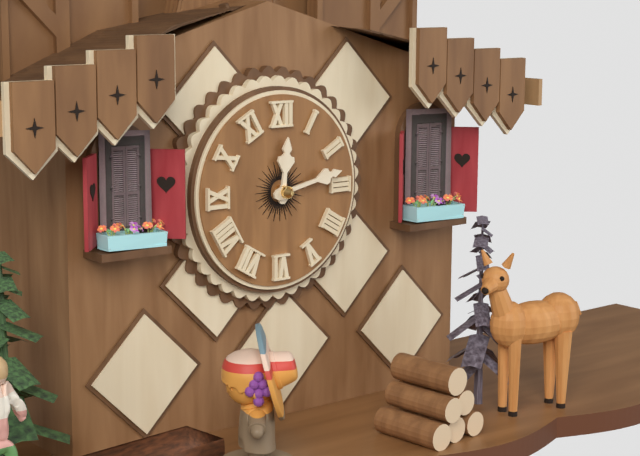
{"hour": 12, "minute": 13}
